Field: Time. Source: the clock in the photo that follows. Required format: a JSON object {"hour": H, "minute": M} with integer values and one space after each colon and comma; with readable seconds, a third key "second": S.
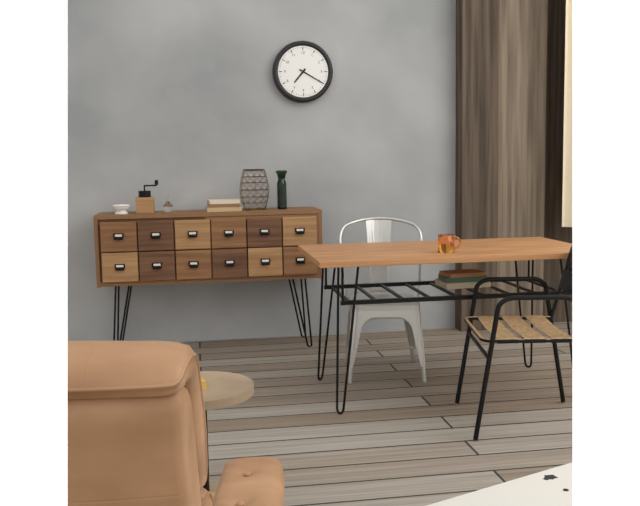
{"hour": 7, "minute": 20}
